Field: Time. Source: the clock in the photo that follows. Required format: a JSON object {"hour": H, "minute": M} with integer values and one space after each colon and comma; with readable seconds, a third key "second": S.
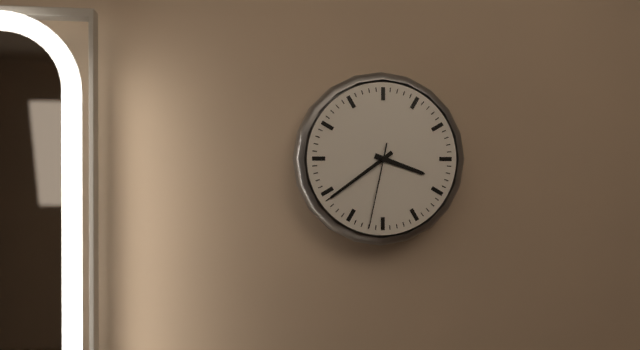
{"hour": 3, "minute": 39, "second": 32}
